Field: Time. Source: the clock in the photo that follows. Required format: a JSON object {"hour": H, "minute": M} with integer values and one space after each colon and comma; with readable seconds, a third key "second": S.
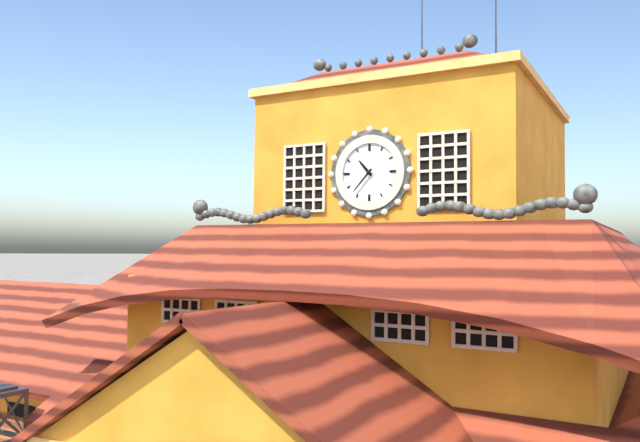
{"hour": 10, "minute": 37}
